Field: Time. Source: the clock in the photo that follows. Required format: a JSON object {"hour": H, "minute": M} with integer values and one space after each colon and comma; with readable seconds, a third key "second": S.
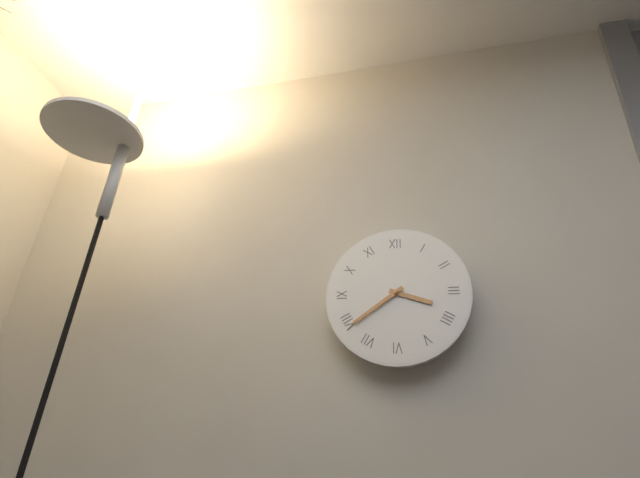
{"hour": 3, "minute": 39}
